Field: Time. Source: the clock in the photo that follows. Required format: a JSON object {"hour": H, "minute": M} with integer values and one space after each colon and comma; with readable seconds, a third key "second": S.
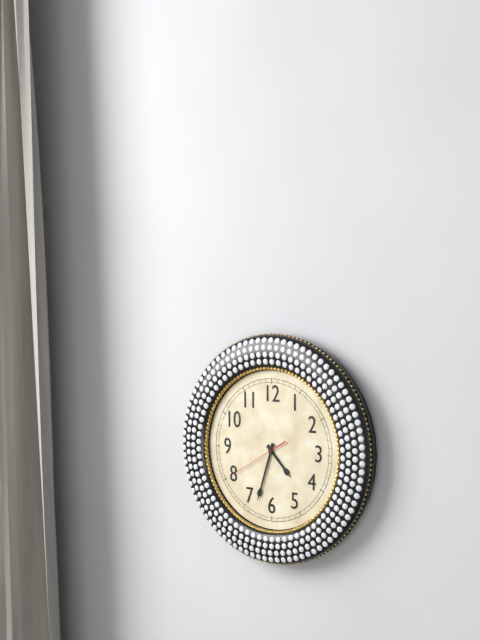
{"hour": 4, "minute": 33, "second": 40}
